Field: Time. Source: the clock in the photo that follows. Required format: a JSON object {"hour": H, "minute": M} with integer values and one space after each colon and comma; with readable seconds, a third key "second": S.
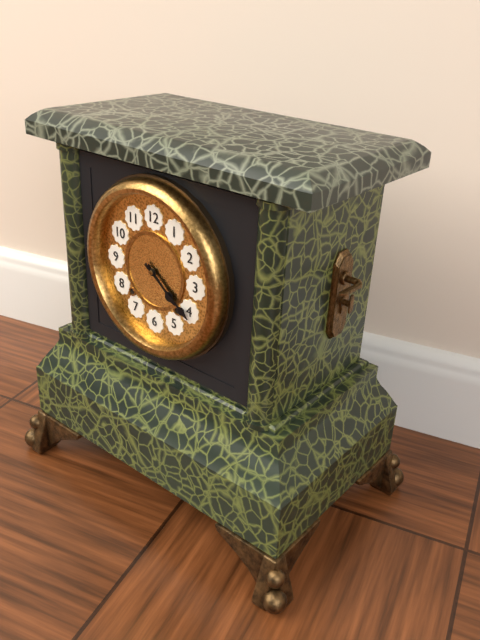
{"hour": 4, "minute": 21}
